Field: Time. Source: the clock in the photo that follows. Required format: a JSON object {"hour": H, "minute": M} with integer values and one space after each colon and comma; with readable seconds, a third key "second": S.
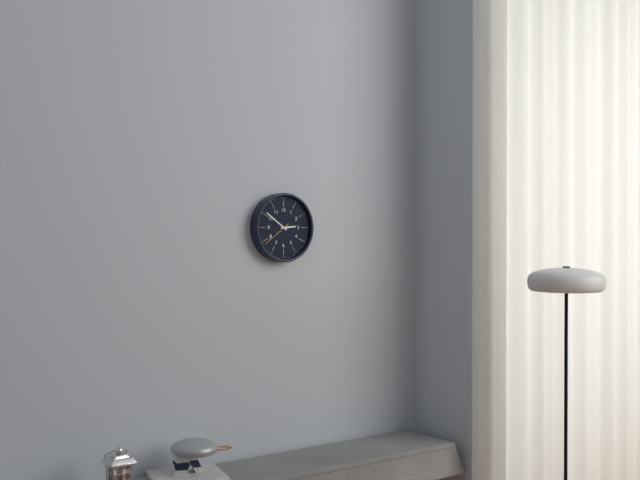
{"hour": 2, "minute": 51}
